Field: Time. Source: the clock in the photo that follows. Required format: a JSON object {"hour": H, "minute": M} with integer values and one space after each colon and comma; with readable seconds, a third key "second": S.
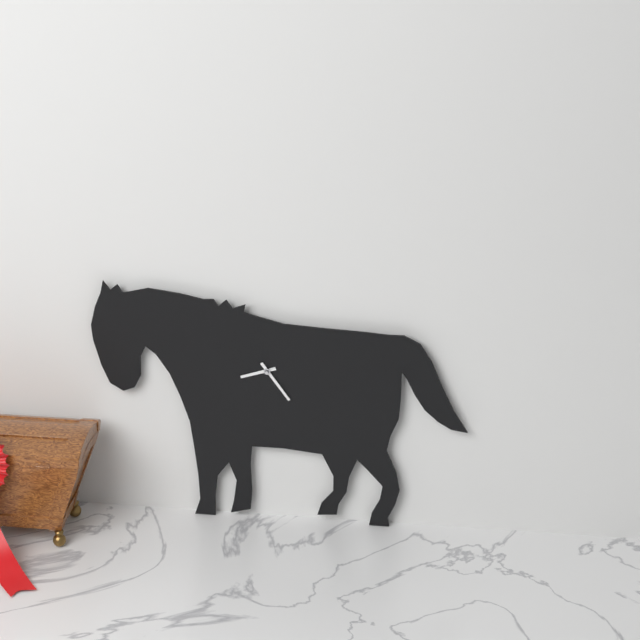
{"hour": 8, "minute": 24}
